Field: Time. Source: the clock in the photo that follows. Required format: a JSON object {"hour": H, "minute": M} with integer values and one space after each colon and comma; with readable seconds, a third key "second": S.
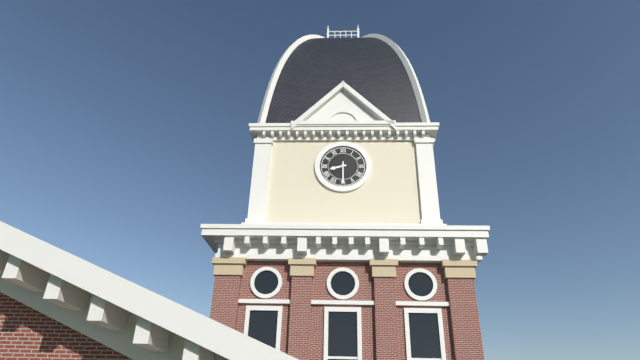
{"hour": 8, "minute": 30}
